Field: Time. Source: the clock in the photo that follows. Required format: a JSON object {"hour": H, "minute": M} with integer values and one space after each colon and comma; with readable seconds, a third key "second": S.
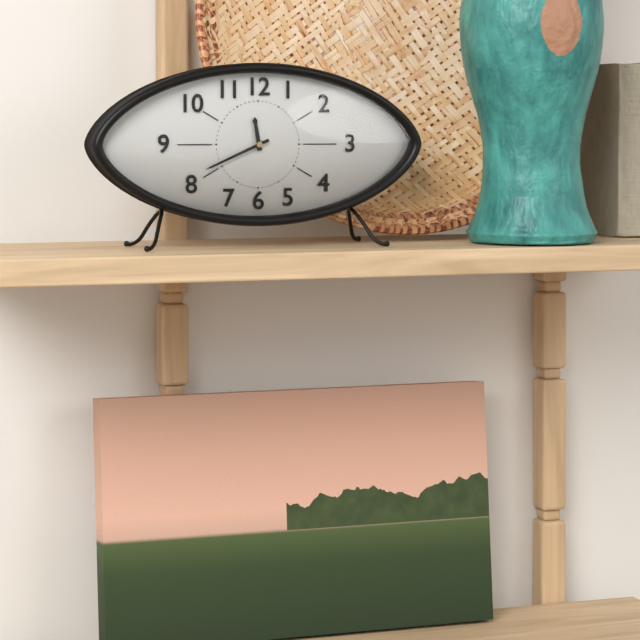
{"hour": 11, "minute": 41}
